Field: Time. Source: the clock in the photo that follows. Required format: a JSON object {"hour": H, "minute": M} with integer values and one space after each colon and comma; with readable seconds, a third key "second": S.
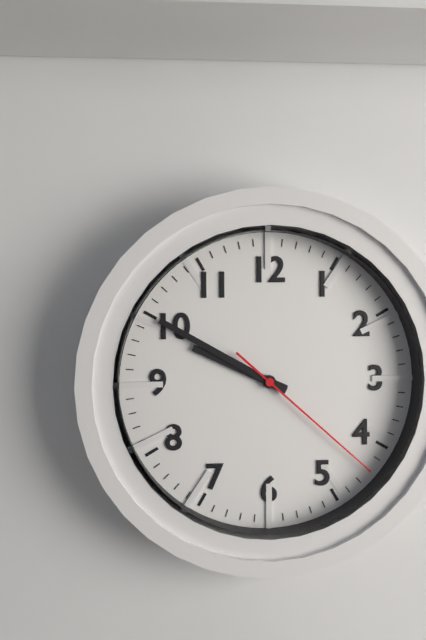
{"hour": 9, "minute": 50, "second": 22}
